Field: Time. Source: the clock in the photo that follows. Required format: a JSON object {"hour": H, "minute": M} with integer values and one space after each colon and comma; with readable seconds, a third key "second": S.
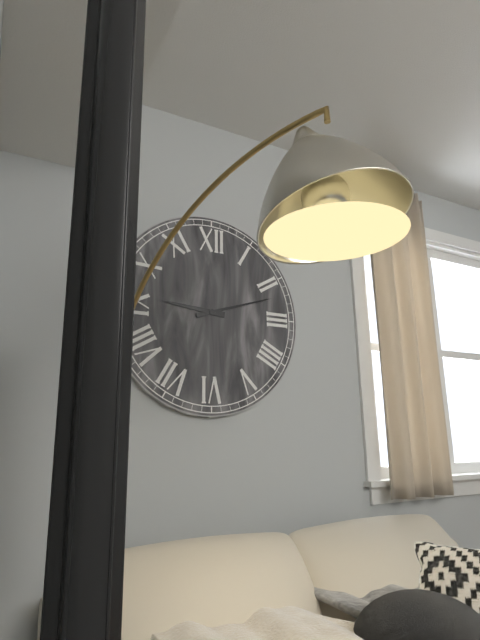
{"hour": 9, "minute": 12}
